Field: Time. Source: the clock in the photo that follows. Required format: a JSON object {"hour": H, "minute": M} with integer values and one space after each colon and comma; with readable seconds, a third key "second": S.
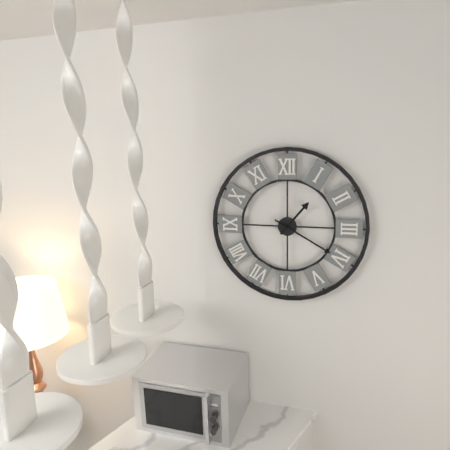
{"hour": 1, "minute": 20}
